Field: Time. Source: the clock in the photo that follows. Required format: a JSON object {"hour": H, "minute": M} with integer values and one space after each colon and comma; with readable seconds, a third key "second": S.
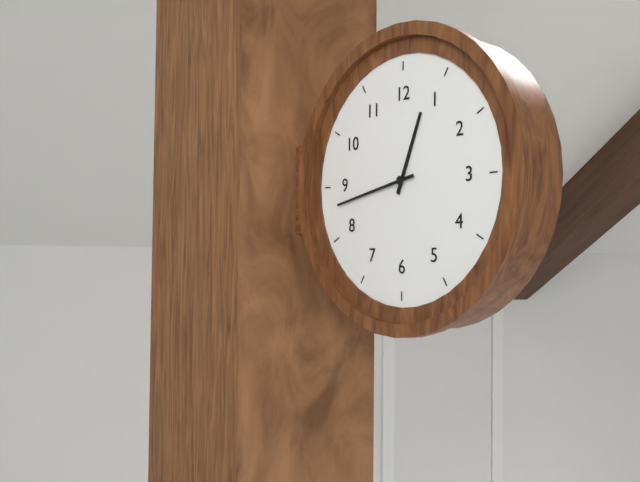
{"hour": 12, "minute": 43}
